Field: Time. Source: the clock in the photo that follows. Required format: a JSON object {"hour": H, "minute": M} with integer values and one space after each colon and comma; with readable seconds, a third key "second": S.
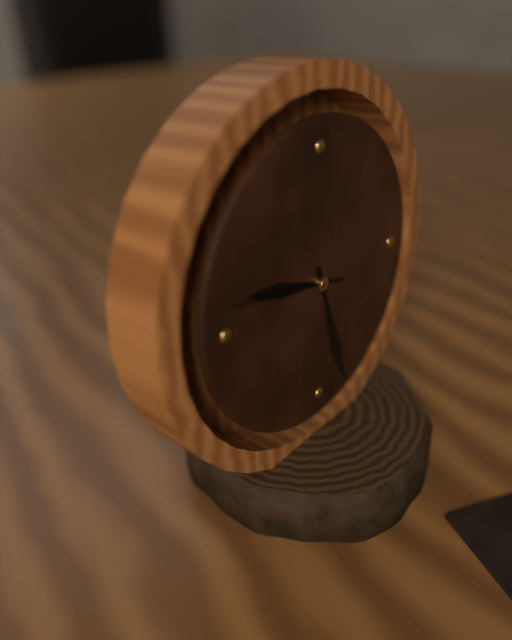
{"hour": 9, "minute": 27, "second": 47}
